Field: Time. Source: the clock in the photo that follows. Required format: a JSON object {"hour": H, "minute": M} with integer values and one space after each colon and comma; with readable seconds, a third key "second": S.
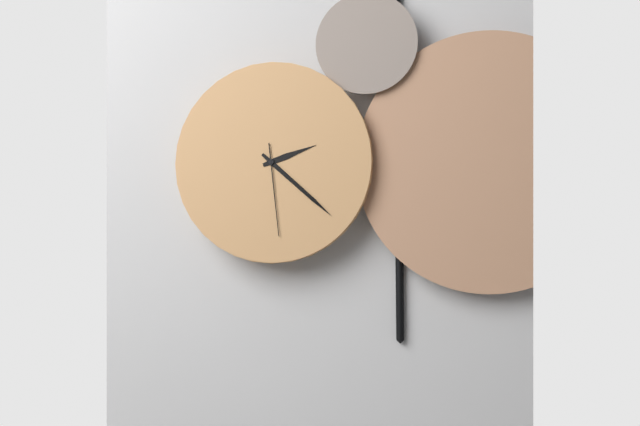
{"hour": 2, "minute": 22, "second": 29}
